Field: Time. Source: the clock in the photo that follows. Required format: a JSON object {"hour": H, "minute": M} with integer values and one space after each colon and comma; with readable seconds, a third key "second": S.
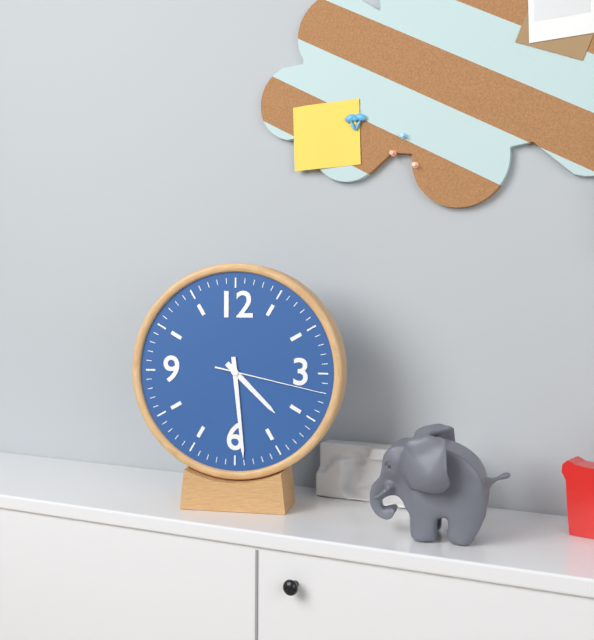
{"hour": 4, "minute": 29, "second": 17}
